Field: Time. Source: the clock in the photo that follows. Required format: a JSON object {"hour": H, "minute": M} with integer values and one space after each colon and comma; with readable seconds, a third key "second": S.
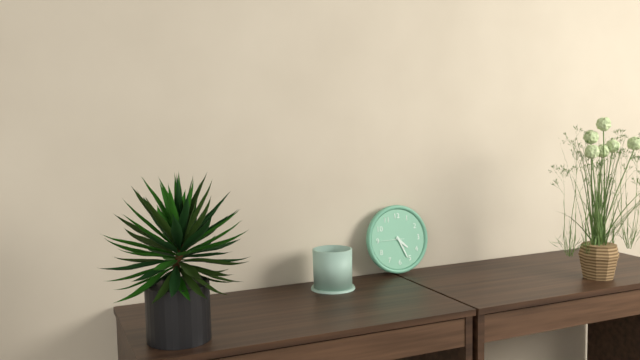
{"hour": 4, "minute": 26}
